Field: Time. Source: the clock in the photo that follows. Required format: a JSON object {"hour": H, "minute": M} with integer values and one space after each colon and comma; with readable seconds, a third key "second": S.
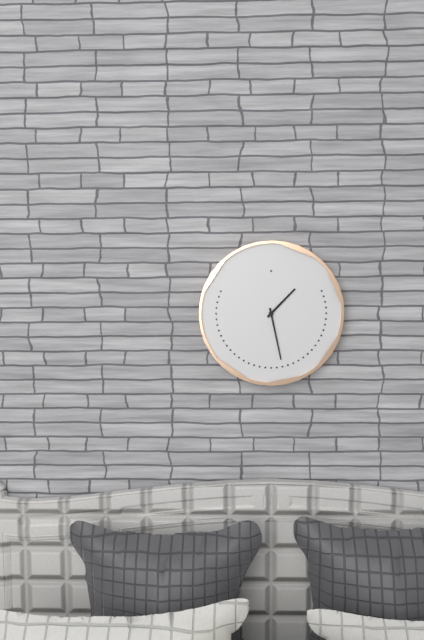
{"hour": 1, "minute": 28}
